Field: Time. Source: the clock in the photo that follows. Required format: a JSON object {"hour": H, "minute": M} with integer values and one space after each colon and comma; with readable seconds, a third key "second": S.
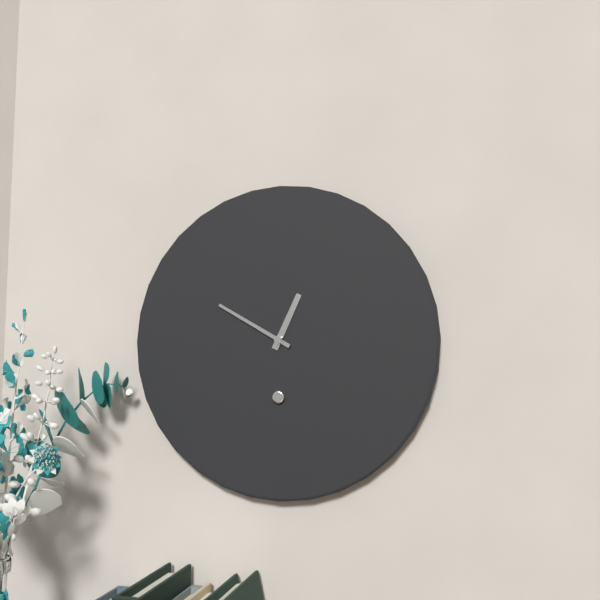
{"hour": 12, "minute": 50}
